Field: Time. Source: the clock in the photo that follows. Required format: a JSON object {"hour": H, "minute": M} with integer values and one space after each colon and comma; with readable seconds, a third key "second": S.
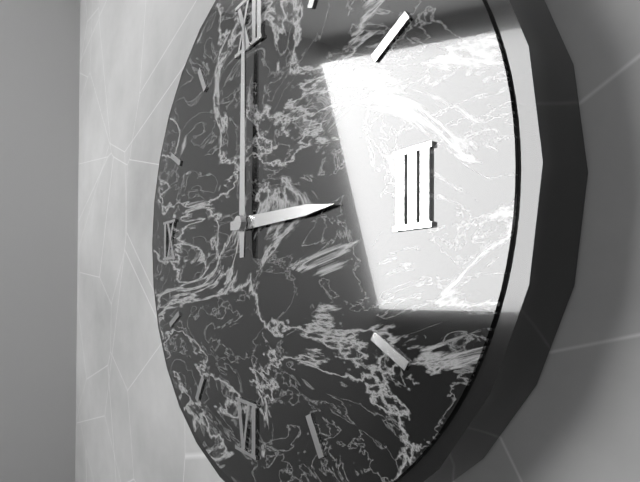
{"hour": 3, "minute": 0}
